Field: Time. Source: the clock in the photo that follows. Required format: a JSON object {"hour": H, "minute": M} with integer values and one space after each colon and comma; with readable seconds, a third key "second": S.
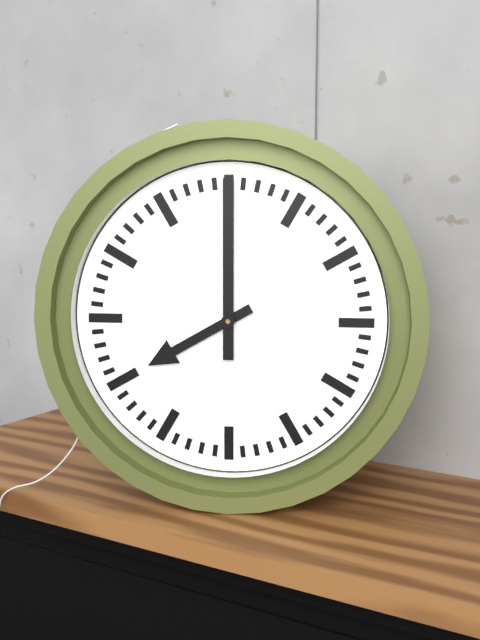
{"hour": 8, "minute": 0}
